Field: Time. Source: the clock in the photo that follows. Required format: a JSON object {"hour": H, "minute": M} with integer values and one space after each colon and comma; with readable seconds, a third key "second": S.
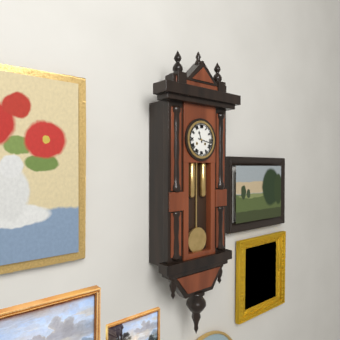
{"hour": 11, "minute": 17}
